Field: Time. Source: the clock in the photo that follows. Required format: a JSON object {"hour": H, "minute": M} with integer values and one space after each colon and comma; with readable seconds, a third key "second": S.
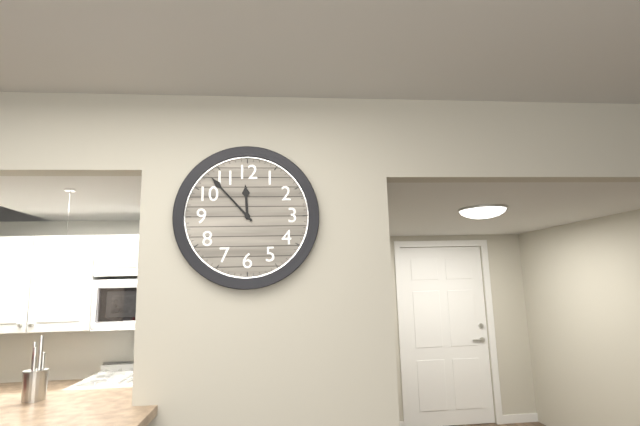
{"hour": 11, "minute": 53}
